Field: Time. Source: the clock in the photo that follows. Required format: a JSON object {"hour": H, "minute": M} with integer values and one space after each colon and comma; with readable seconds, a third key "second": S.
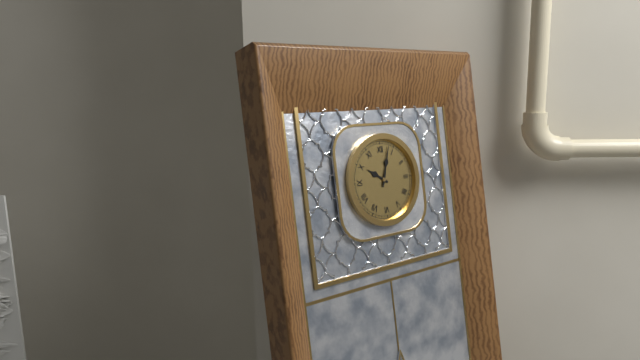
{"hour": 10, "minute": 3}
